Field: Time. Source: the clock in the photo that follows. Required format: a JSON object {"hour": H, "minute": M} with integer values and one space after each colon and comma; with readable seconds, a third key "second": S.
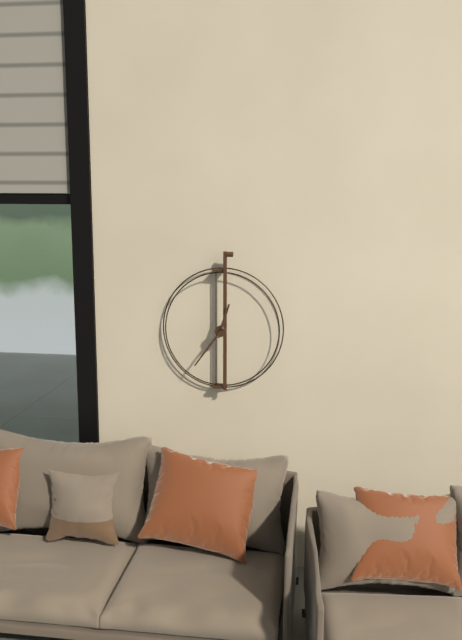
{"hour": 12, "minute": 36}
